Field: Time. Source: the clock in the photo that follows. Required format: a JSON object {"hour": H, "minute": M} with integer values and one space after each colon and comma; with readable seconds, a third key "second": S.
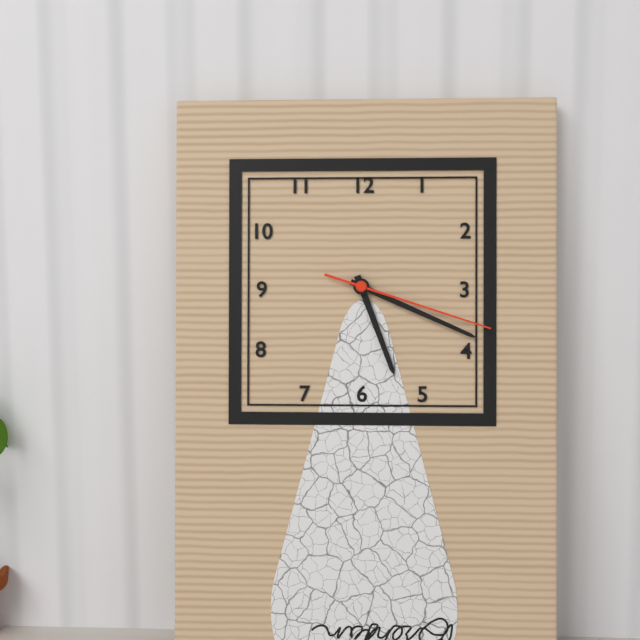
{"hour": 5, "minute": 19, "second": 18}
